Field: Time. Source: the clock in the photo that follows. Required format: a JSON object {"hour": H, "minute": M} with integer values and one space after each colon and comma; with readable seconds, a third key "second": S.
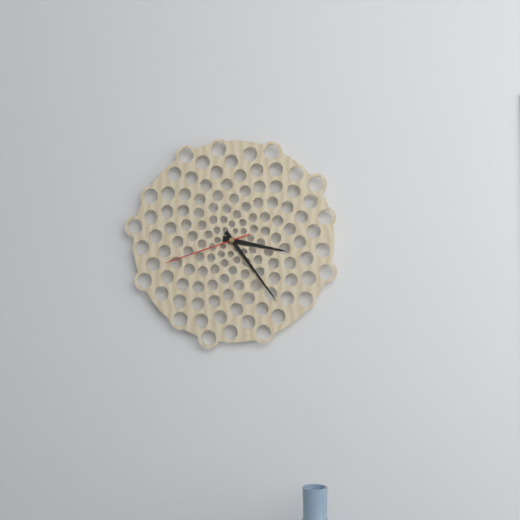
{"hour": 3, "minute": 24, "second": 42}
